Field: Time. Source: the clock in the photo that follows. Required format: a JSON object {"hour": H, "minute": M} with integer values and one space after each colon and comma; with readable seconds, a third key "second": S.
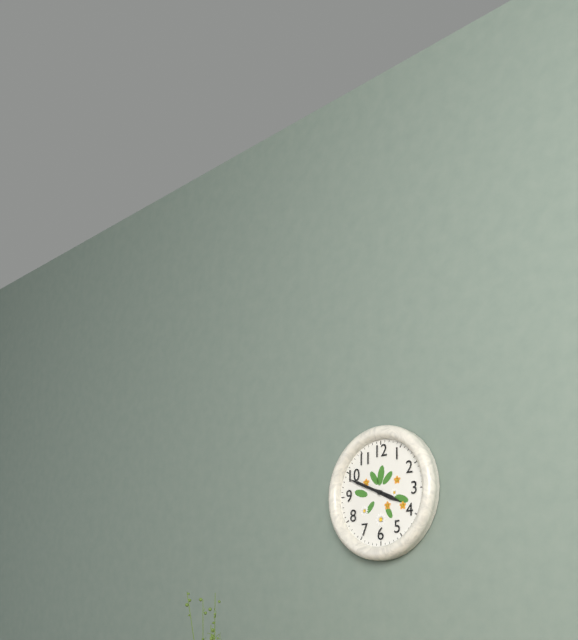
{"hour": 3, "minute": 49}
